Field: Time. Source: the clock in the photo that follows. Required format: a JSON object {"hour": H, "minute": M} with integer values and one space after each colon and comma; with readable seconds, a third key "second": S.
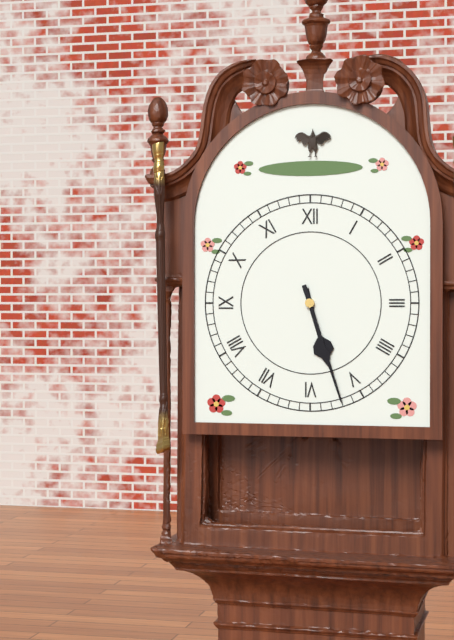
{"hour": 5, "minute": 27}
